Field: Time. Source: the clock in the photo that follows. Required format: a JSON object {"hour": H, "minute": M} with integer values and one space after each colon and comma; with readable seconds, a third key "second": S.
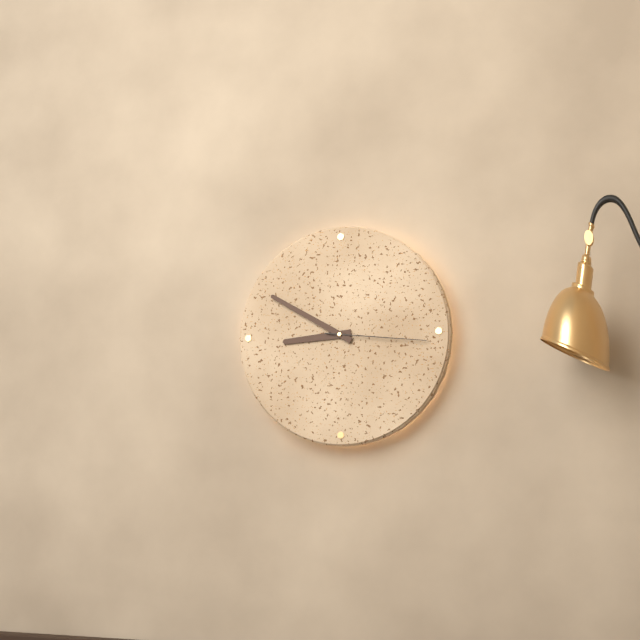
{"hour": 8, "minute": 50, "second": 16}
